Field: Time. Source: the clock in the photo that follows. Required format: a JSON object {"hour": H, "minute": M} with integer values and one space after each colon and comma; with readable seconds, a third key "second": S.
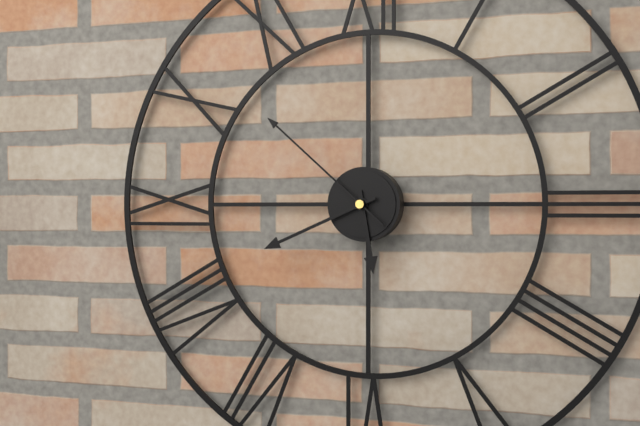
{"hour": 5, "minute": 41, "second": 52}
